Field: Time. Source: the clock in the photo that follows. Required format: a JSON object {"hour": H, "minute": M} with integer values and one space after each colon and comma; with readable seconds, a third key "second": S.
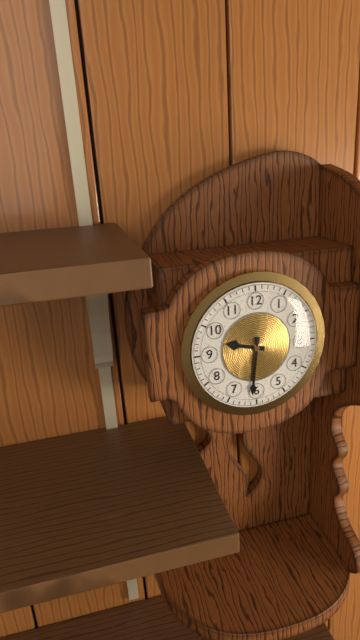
{"hour": 9, "minute": 31}
